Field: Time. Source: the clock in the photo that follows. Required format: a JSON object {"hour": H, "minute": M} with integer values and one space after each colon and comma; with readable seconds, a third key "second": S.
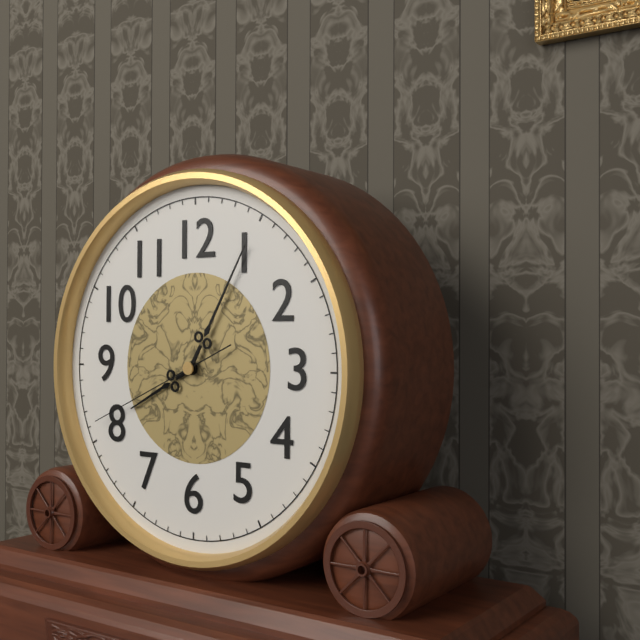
{"hour": 8, "minute": 5, "second": 41}
